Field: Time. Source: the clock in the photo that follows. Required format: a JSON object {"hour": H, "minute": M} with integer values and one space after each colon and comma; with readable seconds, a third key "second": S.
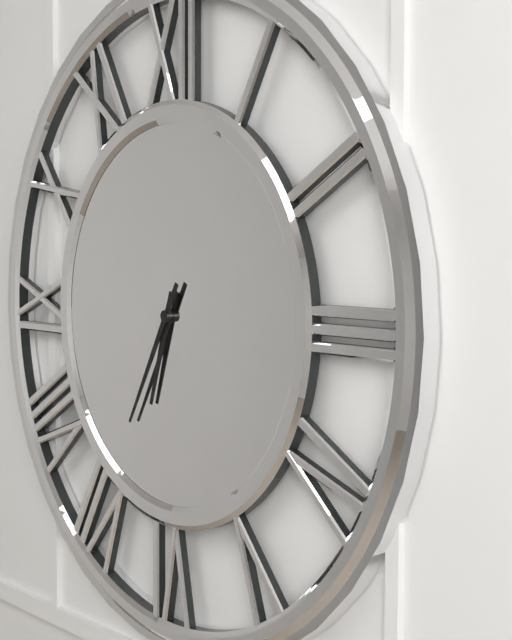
{"hour": 6, "minute": 35}
